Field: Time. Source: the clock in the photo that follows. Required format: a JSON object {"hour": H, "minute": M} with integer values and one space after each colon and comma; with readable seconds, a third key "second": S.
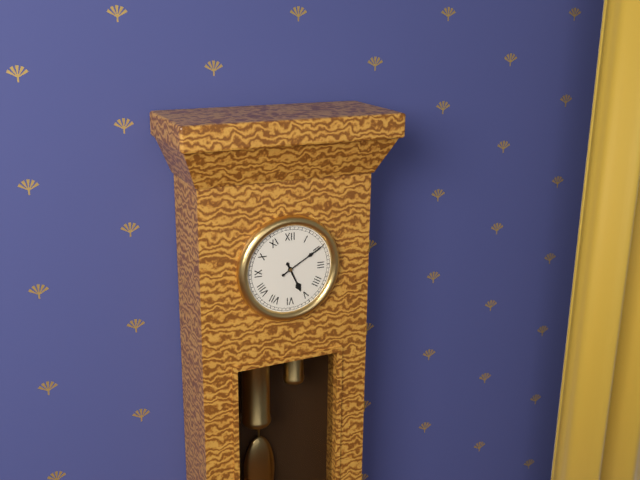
{"hour": 5, "minute": 10}
